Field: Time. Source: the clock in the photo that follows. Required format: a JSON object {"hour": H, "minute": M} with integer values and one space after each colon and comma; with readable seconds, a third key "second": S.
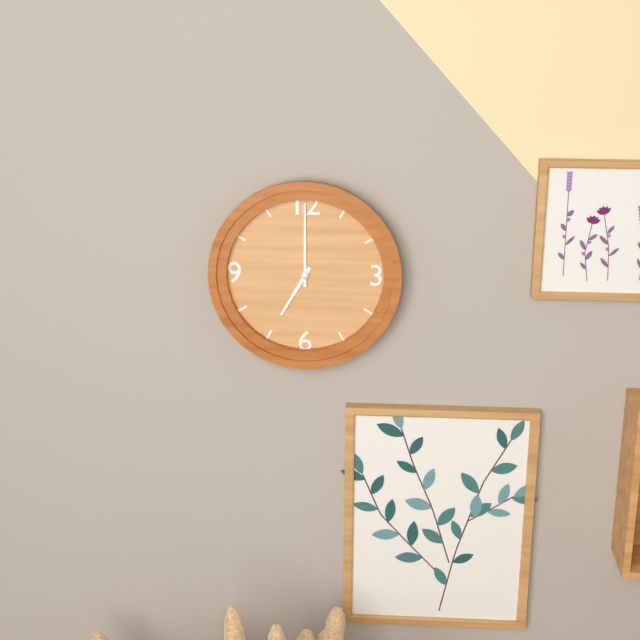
{"hour": 7, "minute": 0}
